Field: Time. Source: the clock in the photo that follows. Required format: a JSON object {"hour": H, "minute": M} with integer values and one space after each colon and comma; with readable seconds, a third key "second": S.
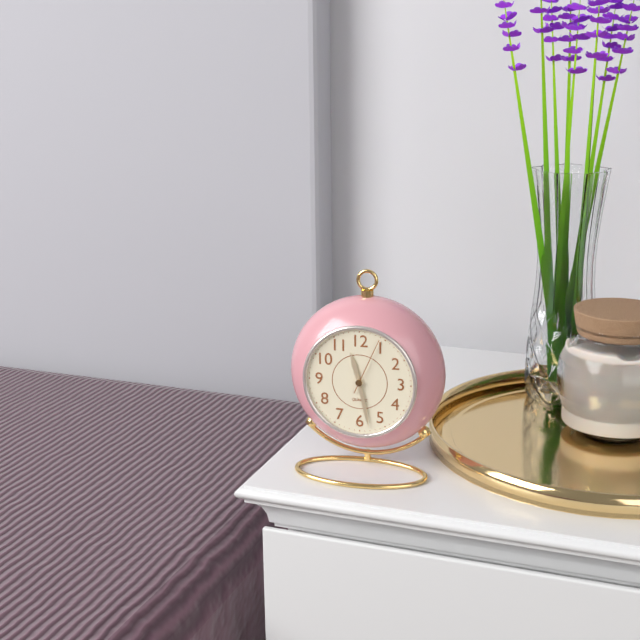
{"hour": 11, "minute": 28, "second": 4}
